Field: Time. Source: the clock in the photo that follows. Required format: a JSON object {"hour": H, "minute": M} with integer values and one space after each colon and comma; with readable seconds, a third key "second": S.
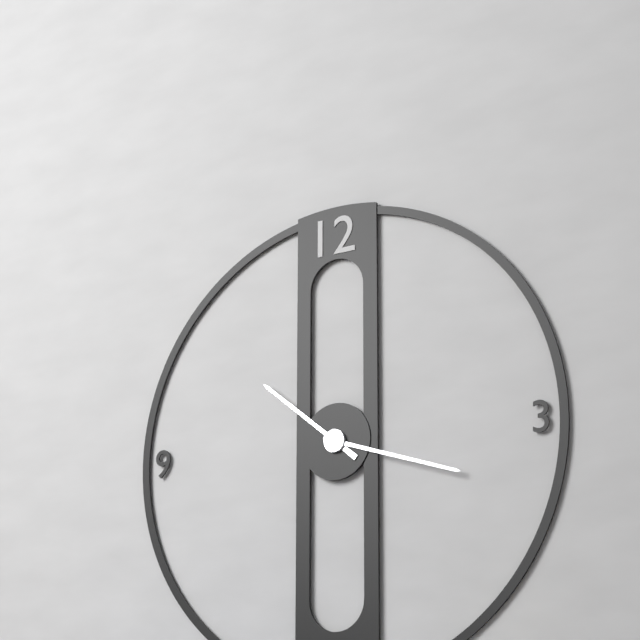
{"hour": 10, "minute": 18}
